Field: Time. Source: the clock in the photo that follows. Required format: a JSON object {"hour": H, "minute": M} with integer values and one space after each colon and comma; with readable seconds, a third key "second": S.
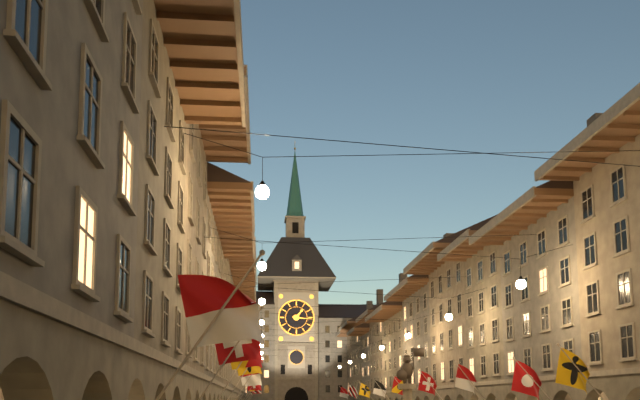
{"hour": 1, "minute": 16}
